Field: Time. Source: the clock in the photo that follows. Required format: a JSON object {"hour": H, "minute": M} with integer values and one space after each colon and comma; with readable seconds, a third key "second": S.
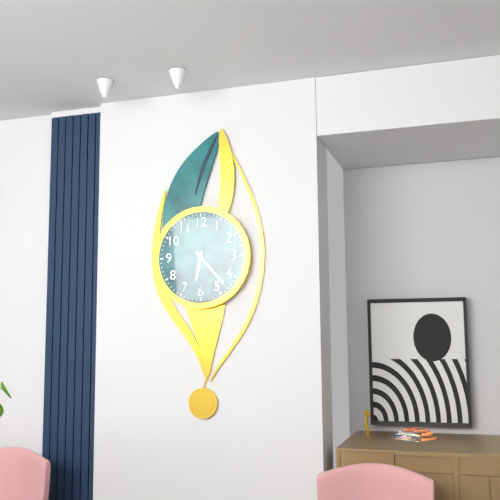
{"hour": 6, "minute": 23}
